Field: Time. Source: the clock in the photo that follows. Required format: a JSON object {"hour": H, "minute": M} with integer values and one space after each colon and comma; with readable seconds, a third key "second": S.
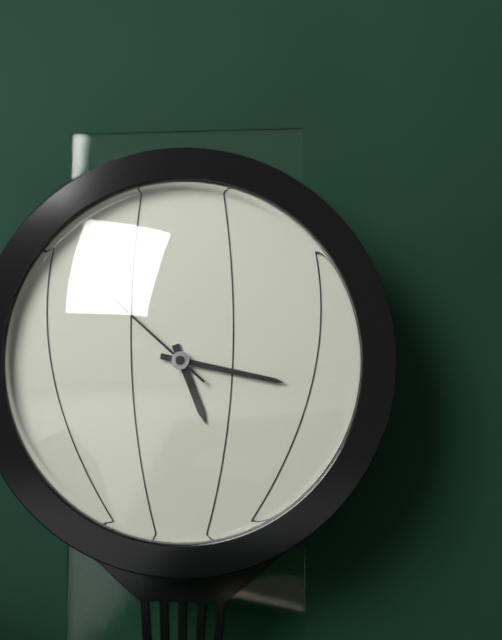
{"hour": 5, "minute": 17, "second": 52}
